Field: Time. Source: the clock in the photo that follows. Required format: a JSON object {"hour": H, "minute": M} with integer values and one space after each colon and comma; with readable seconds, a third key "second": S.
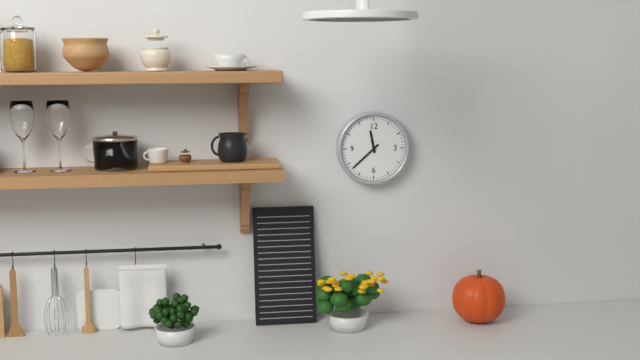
{"hour": 11, "minute": 38}
